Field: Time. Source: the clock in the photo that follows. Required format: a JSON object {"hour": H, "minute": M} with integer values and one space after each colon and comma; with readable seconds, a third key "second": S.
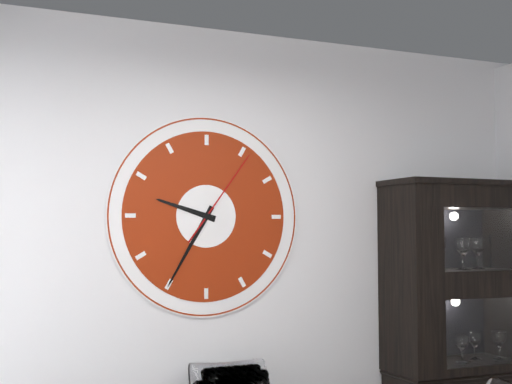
{"hour": 9, "minute": 35, "second": 6}
